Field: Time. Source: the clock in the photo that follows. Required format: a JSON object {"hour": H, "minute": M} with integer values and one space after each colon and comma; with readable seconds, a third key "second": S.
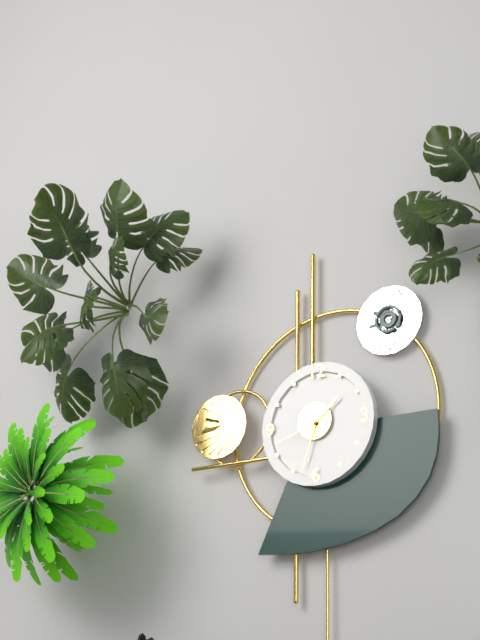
{"hour": 1, "minute": 33, "second": 42}
